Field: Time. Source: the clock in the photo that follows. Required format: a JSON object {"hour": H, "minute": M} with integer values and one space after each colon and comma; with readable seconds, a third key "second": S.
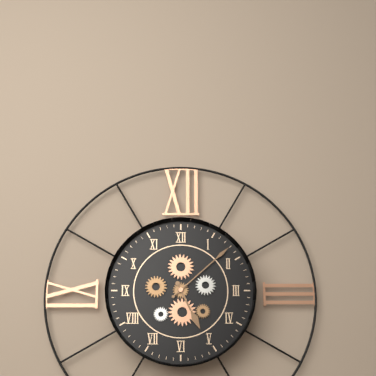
{"hour": 5, "minute": 8}
